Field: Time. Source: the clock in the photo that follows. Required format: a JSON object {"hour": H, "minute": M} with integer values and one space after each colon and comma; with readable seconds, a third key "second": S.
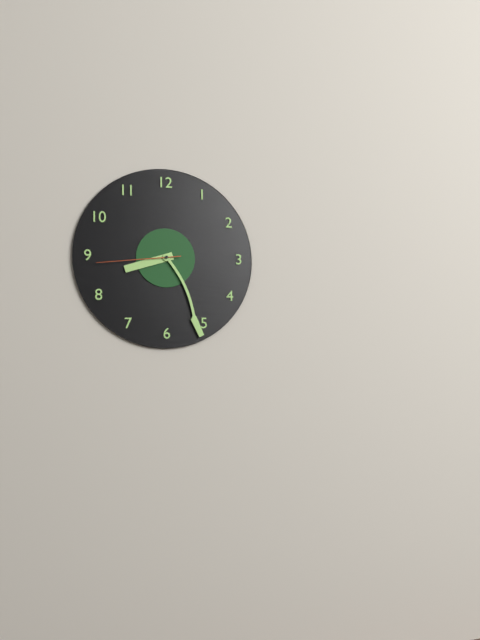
{"hour": 8, "minute": 26, "second": 44}
